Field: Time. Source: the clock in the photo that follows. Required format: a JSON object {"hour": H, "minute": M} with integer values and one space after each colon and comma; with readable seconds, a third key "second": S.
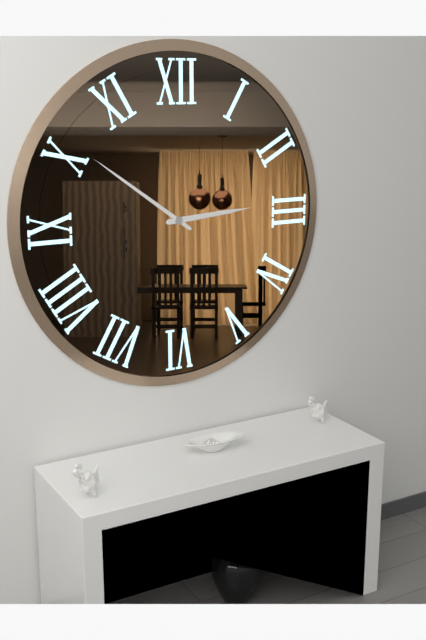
{"hour": 2, "minute": 51}
